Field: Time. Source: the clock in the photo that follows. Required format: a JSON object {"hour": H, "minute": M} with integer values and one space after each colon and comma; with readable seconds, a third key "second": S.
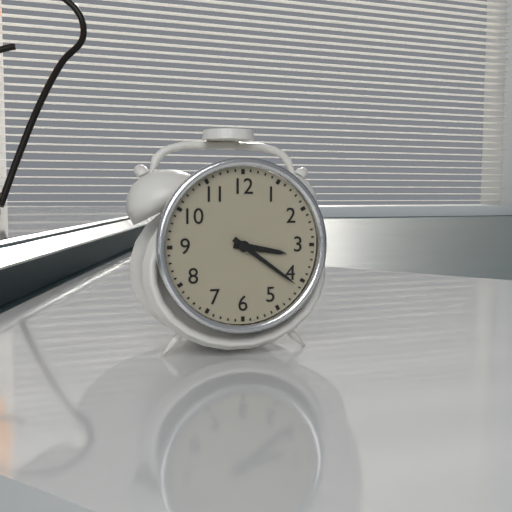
{"hour": 3, "minute": 21}
